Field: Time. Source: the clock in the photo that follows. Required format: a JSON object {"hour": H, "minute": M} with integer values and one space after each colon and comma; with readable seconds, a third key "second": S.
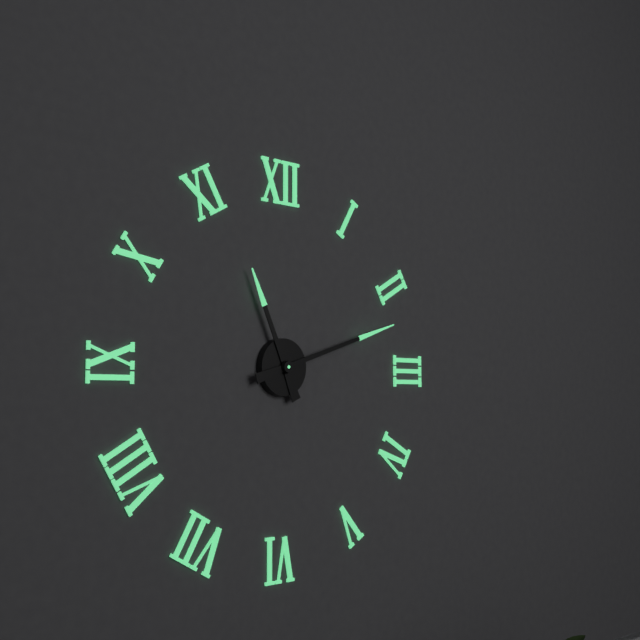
{"hour": 11, "minute": 12}
